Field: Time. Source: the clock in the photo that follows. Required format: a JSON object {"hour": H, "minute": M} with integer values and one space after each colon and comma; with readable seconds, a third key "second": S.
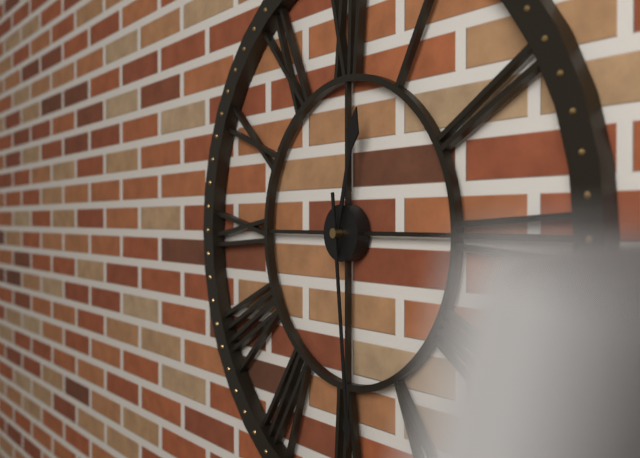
{"hour": 12, "minute": 29}
